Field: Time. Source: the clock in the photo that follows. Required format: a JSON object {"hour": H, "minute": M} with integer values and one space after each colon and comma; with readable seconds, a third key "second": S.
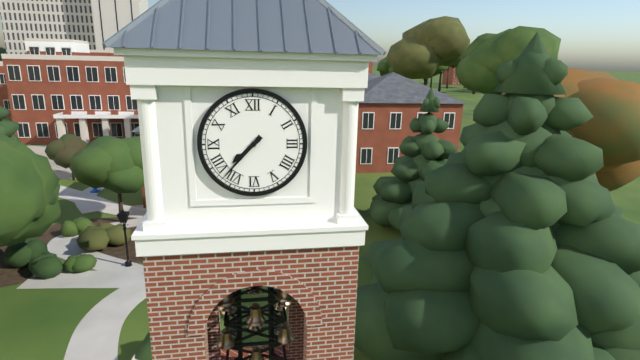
{"hour": 7, "minute": 37}
